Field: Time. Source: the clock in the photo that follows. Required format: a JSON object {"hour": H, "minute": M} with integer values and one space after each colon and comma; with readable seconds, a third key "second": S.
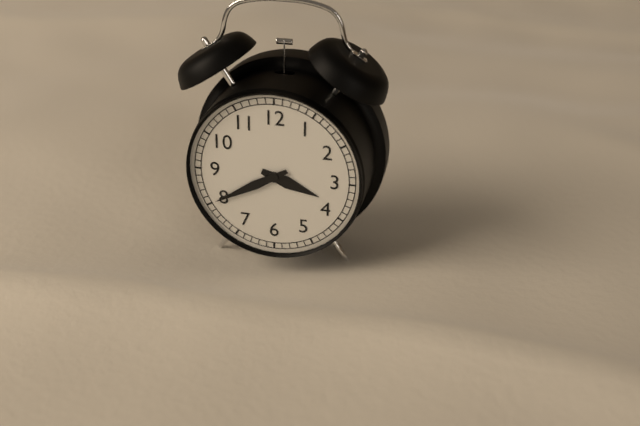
{"hour": 3, "minute": 40}
